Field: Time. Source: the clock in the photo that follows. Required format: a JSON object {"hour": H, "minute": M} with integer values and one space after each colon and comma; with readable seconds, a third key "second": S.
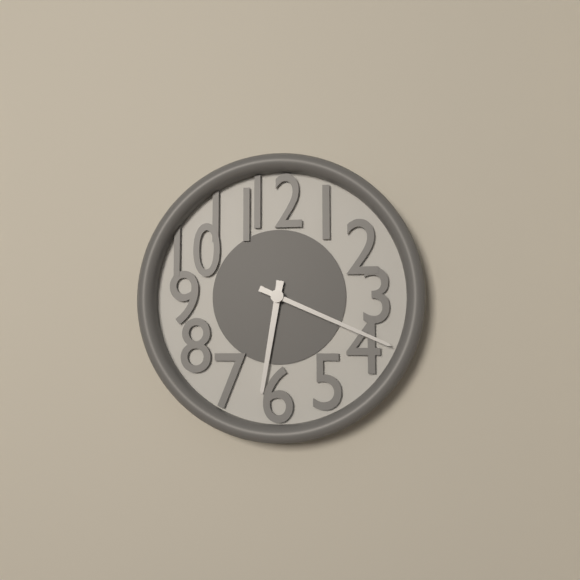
{"hour": 6, "minute": 19}
